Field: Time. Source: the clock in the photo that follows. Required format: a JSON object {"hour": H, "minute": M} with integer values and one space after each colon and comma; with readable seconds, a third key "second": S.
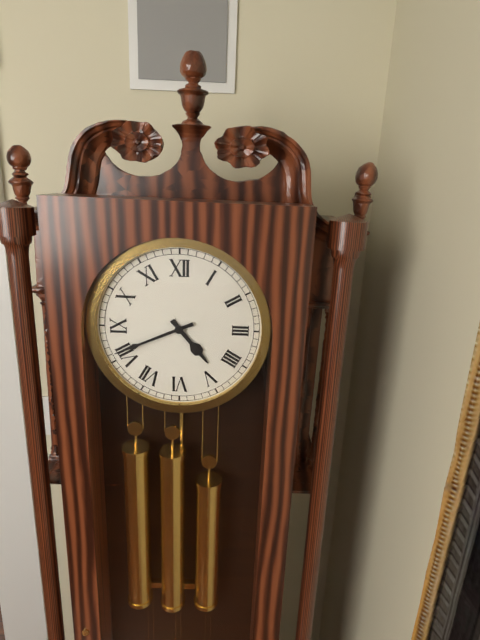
{"hour": 4, "minute": 41}
